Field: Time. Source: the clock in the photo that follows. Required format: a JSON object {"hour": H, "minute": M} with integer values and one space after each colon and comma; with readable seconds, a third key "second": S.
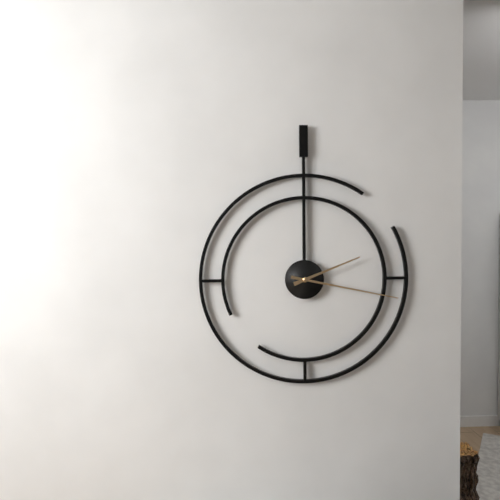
{"hour": 2, "minute": 17}
